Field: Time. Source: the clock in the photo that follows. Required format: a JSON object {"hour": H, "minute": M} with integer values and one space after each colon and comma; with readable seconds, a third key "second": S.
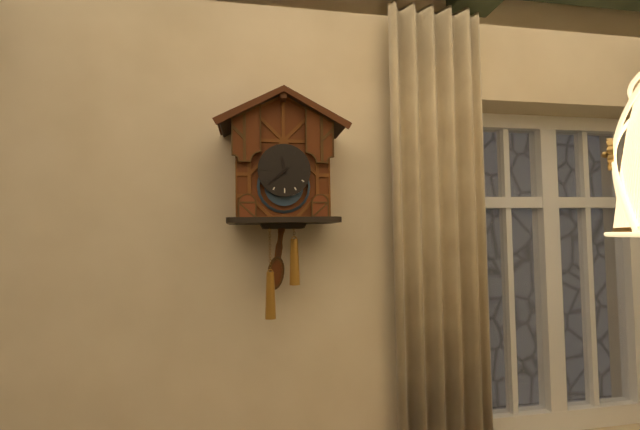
{"hour": 11, "minute": 38}
